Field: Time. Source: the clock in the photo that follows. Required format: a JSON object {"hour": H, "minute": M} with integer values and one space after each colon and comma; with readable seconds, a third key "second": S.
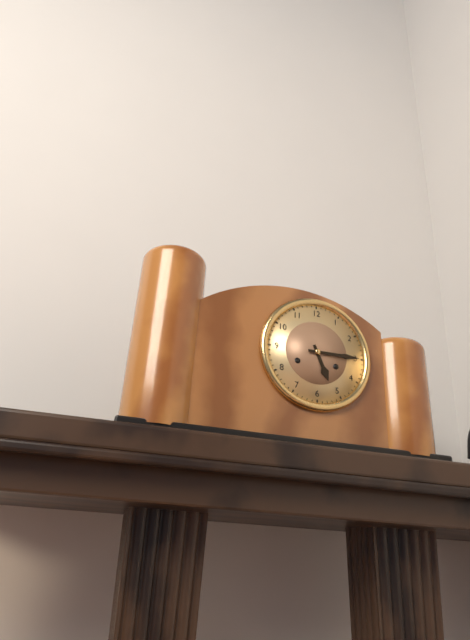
{"hour": 5, "minute": 15}
